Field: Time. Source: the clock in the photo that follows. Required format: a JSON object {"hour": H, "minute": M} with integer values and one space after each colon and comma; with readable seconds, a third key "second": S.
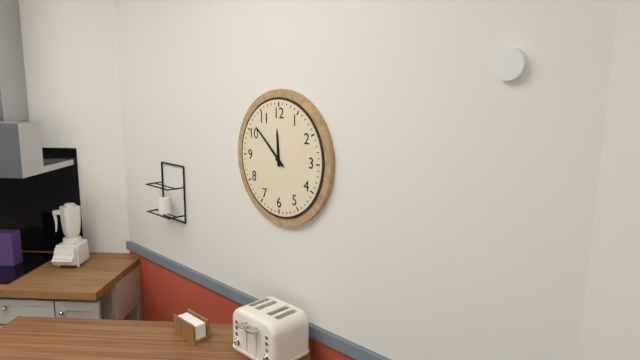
{"hour": 11, "minute": 52}
